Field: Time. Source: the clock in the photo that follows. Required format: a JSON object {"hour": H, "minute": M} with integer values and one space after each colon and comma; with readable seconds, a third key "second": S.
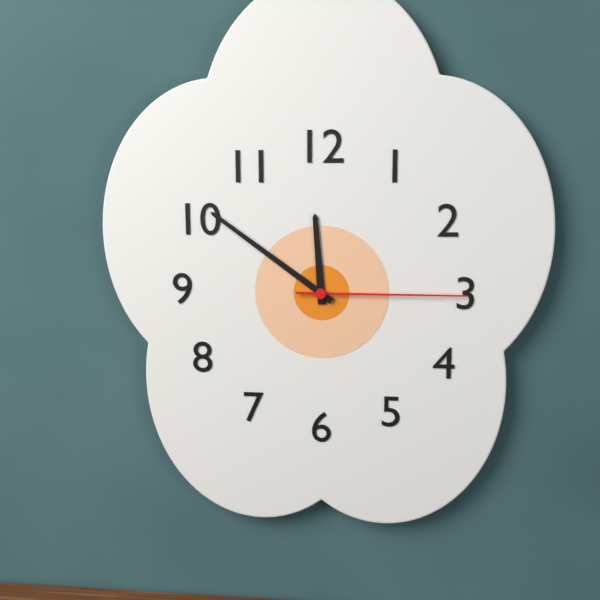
{"hour": 11, "minute": 51, "second": 15}
